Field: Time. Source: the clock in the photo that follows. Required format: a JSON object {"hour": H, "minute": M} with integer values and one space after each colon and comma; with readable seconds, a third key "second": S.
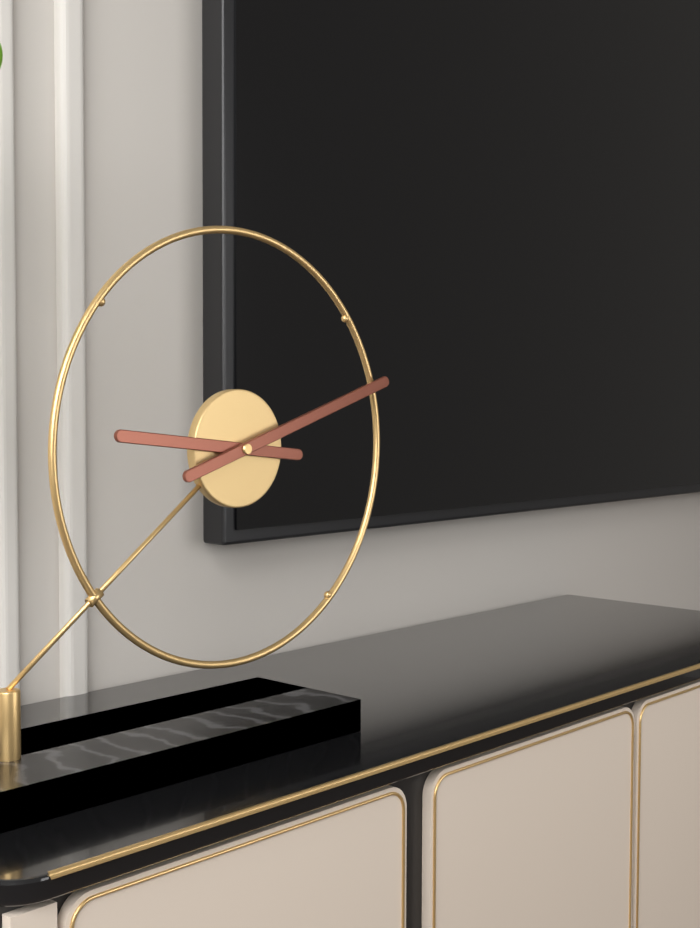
{"hour": 9, "minute": 12}
